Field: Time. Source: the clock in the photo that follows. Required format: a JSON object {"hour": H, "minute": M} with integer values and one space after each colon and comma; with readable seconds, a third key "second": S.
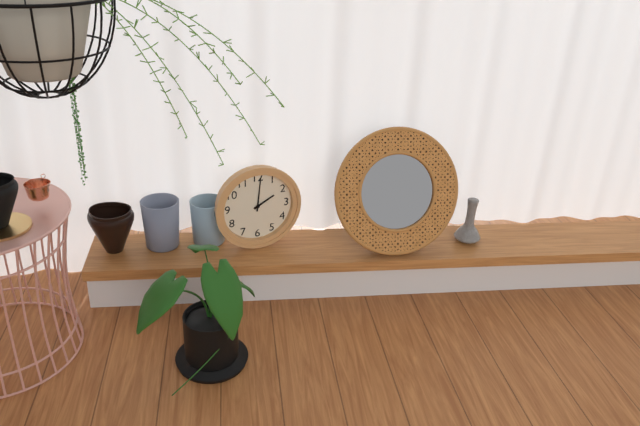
{"hour": 2, "minute": 1}
